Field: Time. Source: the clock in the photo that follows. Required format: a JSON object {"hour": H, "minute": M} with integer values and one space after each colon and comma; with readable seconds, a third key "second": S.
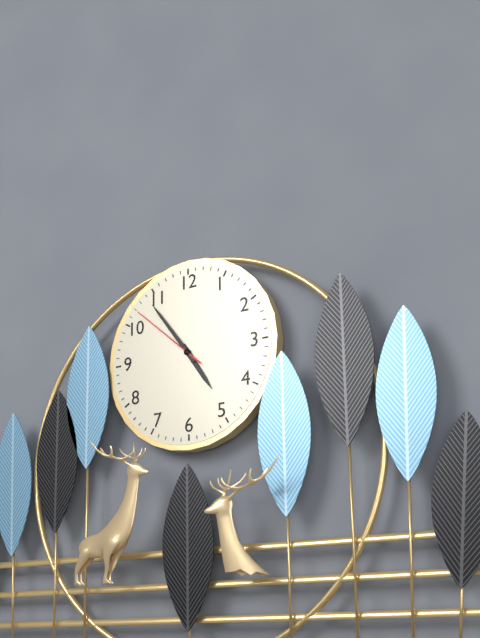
{"hour": 4, "minute": 54, "second": 52}
